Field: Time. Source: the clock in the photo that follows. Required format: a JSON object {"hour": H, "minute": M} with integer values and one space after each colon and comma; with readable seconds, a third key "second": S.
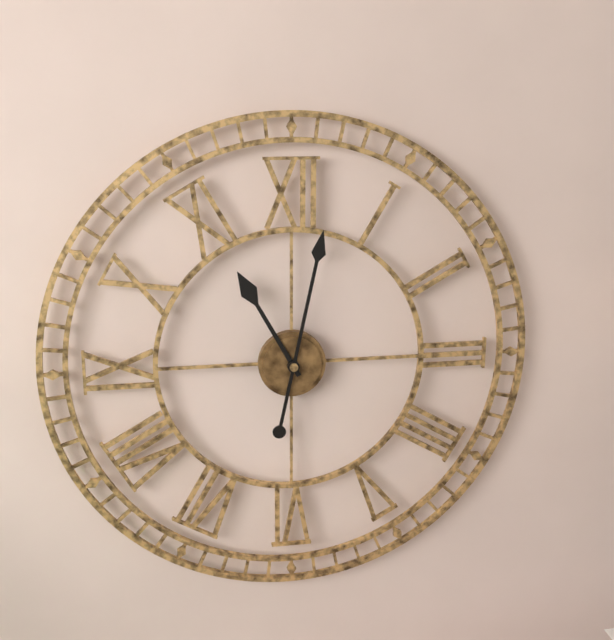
{"hour": 11, "minute": 2}
